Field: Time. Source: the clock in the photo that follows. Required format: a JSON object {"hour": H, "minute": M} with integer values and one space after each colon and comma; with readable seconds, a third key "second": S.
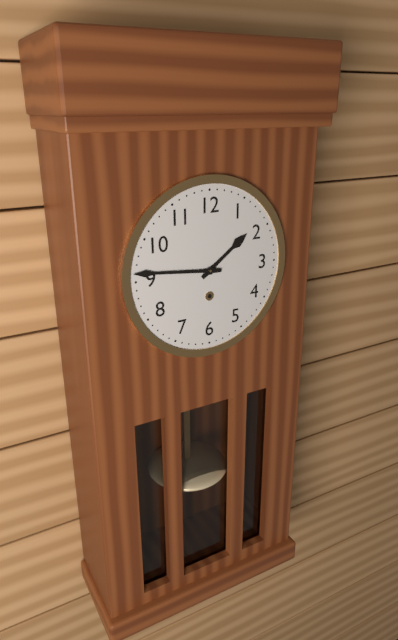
{"hour": 1, "minute": 46}
